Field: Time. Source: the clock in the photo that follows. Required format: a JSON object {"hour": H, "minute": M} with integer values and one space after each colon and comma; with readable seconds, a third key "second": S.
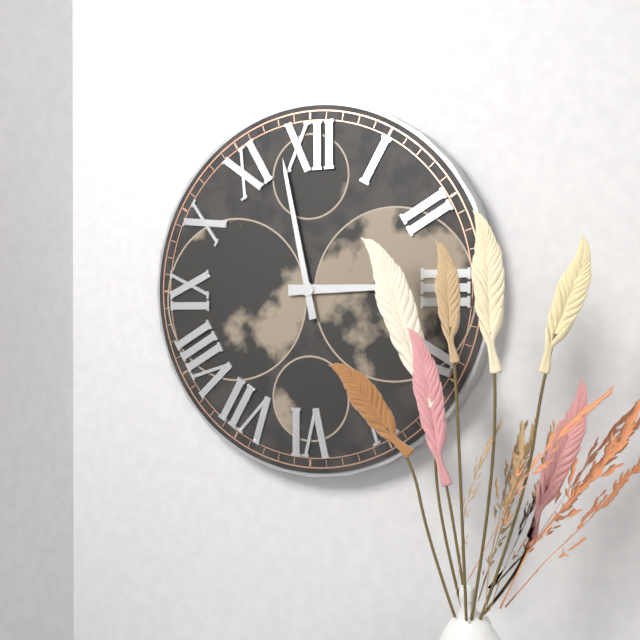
{"hour": 2, "minute": 58}
